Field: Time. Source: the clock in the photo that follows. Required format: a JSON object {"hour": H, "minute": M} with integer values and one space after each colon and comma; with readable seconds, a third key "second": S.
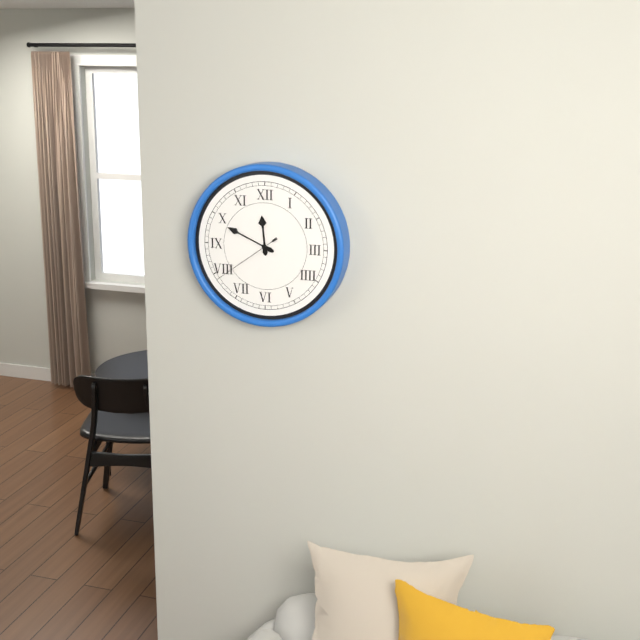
{"hour": 11, "minute": 49, "second": 39}
